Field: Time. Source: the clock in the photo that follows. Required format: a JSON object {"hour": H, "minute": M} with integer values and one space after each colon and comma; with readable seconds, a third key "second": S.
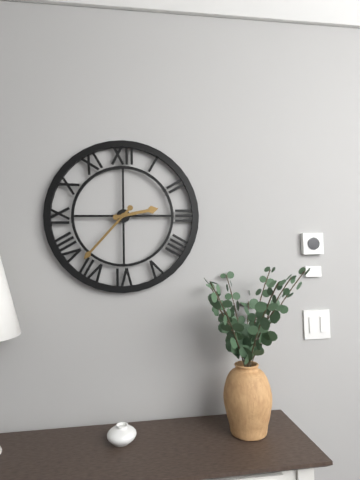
{"hour": 2, "minute": 37}
